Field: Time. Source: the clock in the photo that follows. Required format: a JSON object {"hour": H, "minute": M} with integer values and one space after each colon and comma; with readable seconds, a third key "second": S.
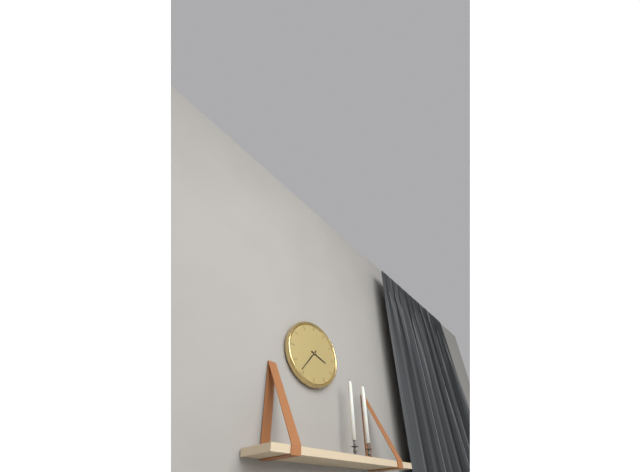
{"hour": 3, "minute": 36}
